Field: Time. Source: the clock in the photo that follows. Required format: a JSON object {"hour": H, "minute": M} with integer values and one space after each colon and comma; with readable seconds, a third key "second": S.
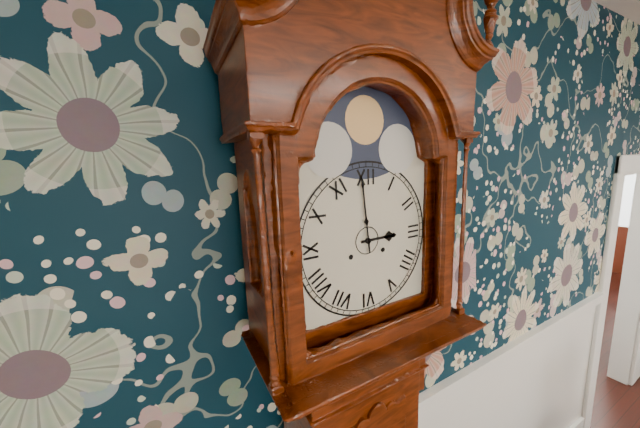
{"hour": 2, "minute": 59}
